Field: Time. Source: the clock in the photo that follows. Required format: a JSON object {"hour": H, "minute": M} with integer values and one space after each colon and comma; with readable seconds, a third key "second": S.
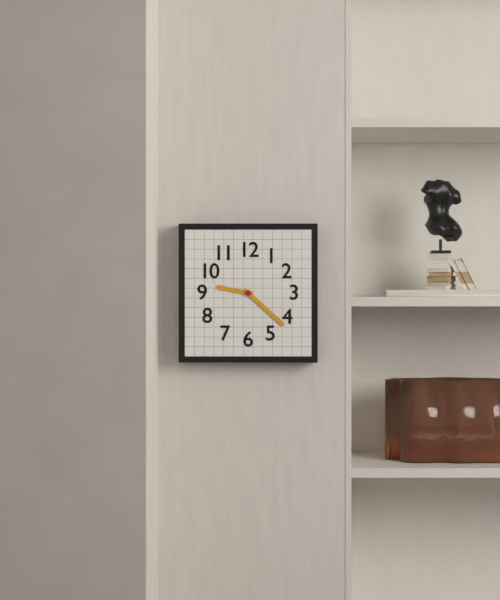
{"hour": 9, "minute": 22}
